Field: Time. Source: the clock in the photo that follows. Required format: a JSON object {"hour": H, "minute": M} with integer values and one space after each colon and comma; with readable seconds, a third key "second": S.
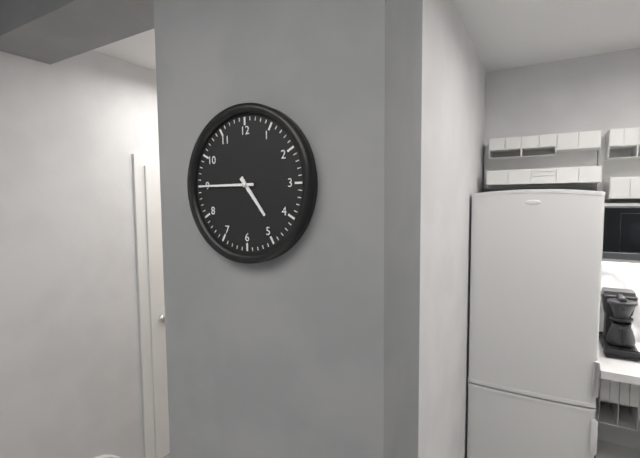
{"hour": 4, "minute": 45}
